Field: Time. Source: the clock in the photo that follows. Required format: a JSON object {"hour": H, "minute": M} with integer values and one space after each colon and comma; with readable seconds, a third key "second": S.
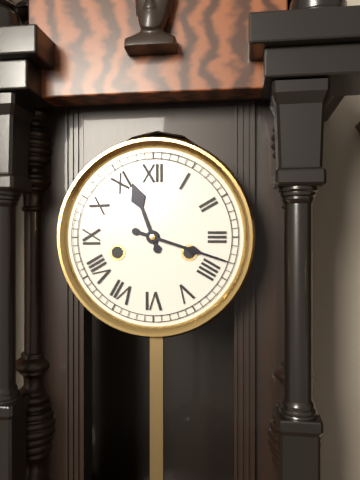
{"hour": 11, "minute": 18}
